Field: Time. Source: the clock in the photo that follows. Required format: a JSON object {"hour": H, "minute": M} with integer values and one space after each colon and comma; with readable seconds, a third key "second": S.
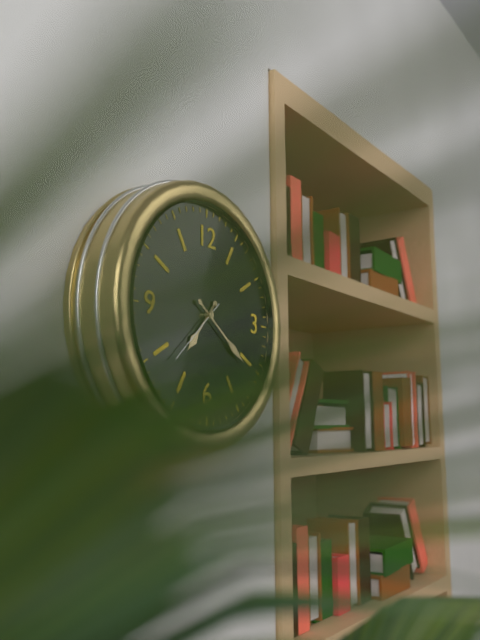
{"hour": 7, "minute": 21, "second": 38}
